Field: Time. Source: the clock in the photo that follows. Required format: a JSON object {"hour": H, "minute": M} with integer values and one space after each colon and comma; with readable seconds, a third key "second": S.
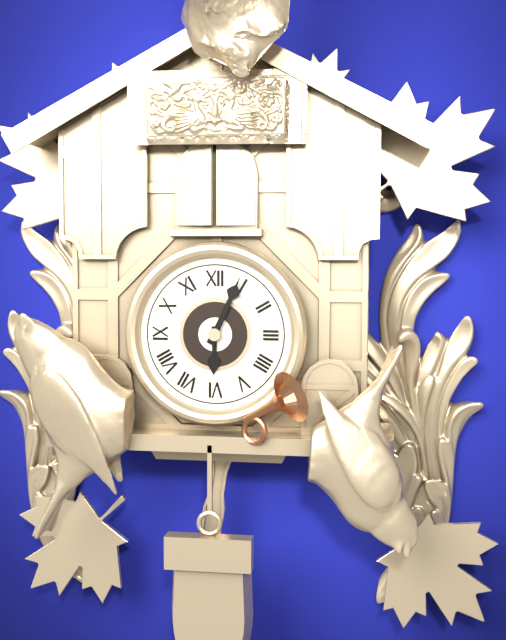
{"hour": 6, "minute": 4}
